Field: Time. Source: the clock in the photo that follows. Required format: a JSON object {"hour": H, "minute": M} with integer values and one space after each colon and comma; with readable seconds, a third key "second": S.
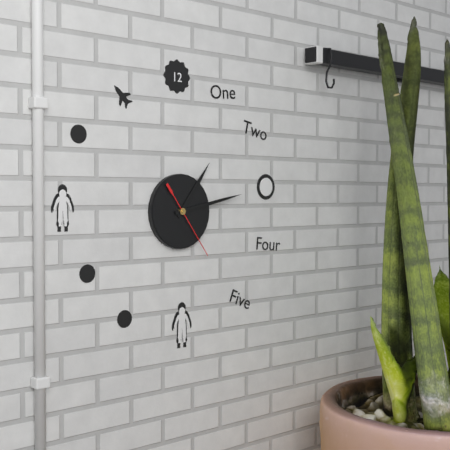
{"hour": 1, "minute": 13, "second": 24}
